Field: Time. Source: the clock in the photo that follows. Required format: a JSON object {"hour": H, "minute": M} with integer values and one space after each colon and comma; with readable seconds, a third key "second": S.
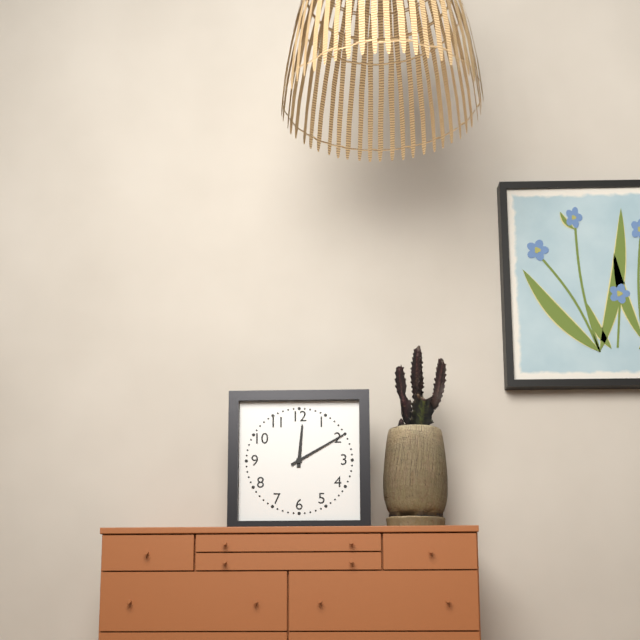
{"hour": 12, "minute": 10}
